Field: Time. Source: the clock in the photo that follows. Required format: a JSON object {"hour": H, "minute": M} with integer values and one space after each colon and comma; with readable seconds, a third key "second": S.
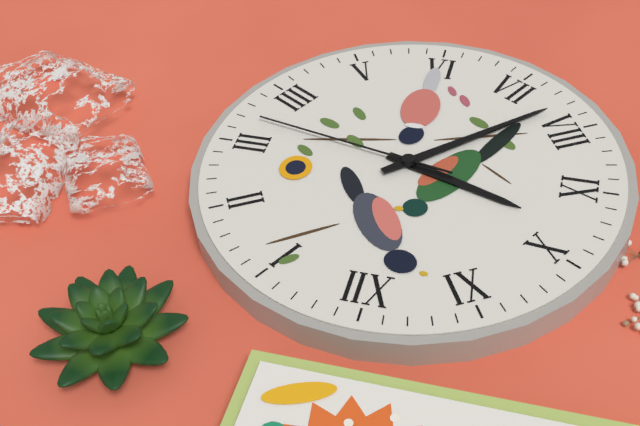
{"hour": 9, "minute": 38, "second": 17}
